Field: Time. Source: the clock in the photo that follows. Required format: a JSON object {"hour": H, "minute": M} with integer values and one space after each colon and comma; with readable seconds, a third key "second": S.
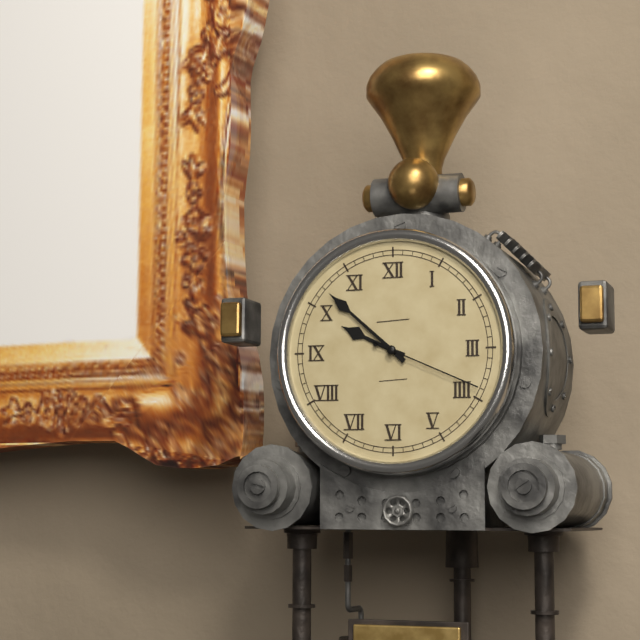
{"hour": 9, "minute": 52, "second": 19}
